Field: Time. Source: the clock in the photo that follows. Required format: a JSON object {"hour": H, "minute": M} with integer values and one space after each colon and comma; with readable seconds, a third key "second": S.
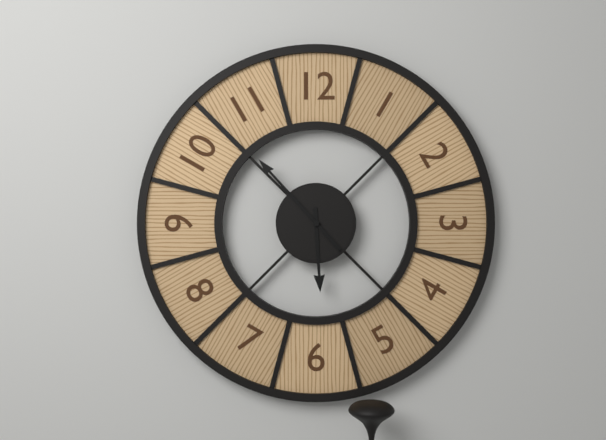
{"hour": 5, "minute": 53}
